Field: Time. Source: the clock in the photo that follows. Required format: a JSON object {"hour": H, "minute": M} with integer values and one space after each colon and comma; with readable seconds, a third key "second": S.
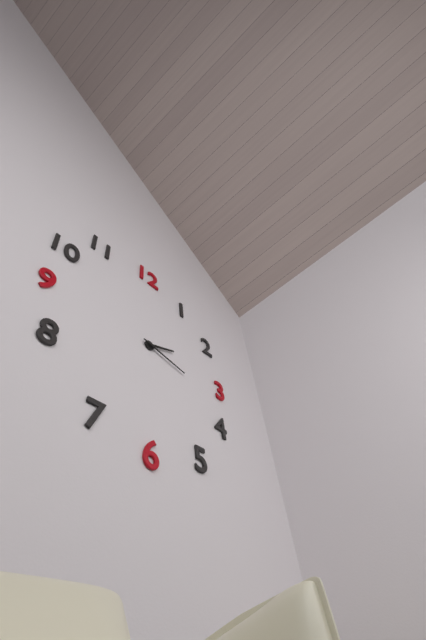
{"hour": 2, "minute": 17}
